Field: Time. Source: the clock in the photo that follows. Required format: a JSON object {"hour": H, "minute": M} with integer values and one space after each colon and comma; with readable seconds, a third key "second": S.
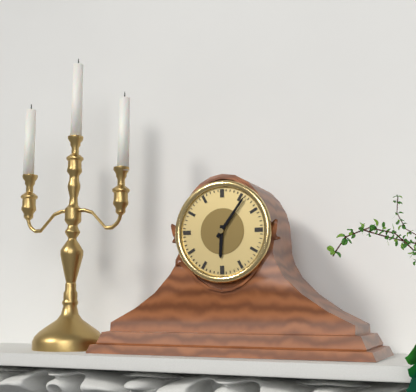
{"hour": 6, "minute": 6}
